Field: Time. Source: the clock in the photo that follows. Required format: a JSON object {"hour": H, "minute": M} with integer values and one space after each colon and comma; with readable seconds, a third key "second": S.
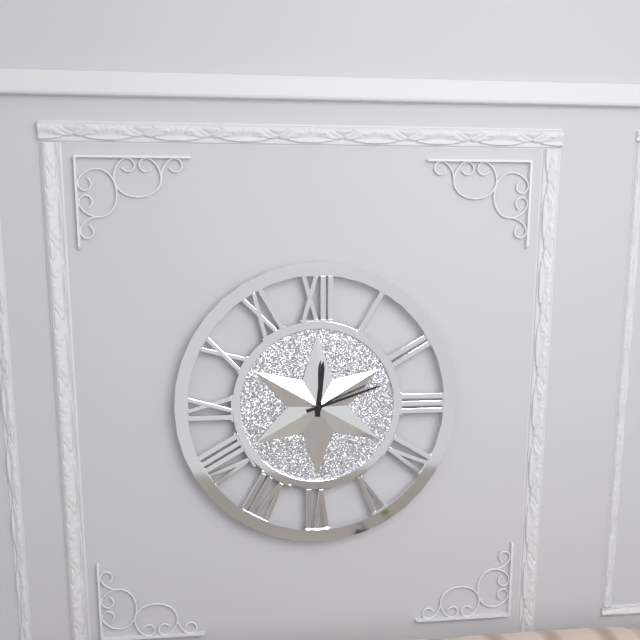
{"hour": 12, "minute": 12}
